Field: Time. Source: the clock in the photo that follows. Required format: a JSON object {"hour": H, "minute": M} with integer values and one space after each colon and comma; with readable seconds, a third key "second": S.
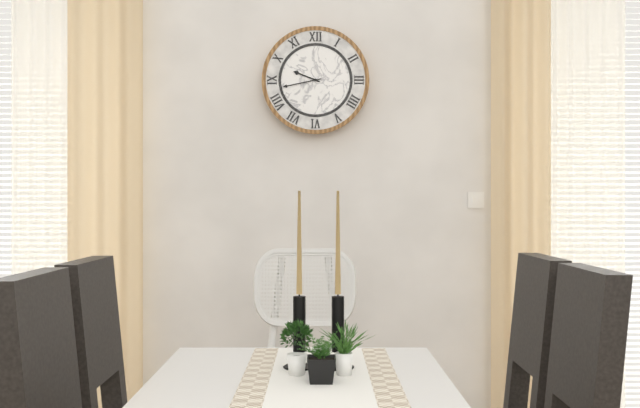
{"hour": 9, "minute": 43}
